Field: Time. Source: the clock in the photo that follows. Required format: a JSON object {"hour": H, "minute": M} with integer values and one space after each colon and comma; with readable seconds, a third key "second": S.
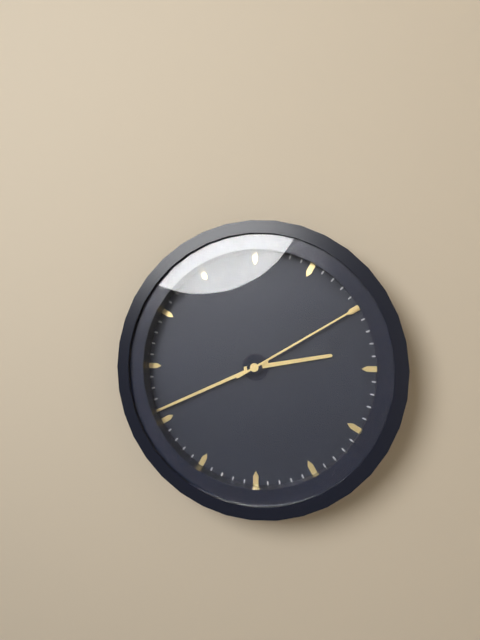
{"hour": 2, "minute": 41, "second": 10}
